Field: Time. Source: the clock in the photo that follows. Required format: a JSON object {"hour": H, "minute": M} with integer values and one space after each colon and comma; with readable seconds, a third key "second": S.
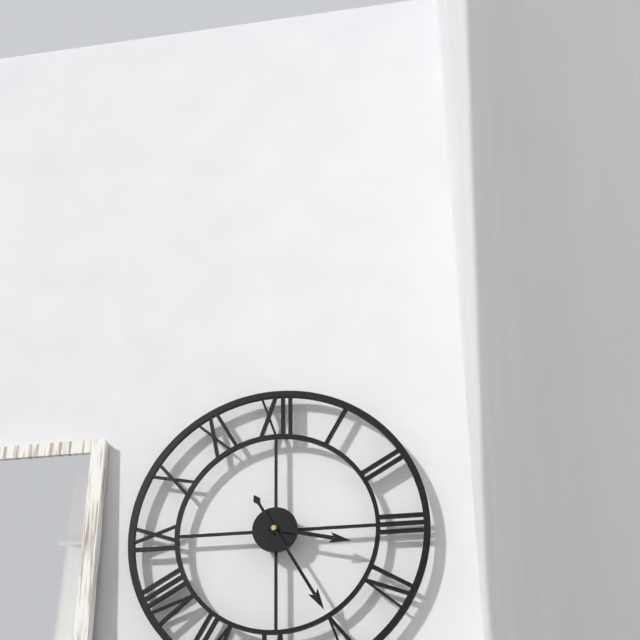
{"hour": 3, "minute": 25}
